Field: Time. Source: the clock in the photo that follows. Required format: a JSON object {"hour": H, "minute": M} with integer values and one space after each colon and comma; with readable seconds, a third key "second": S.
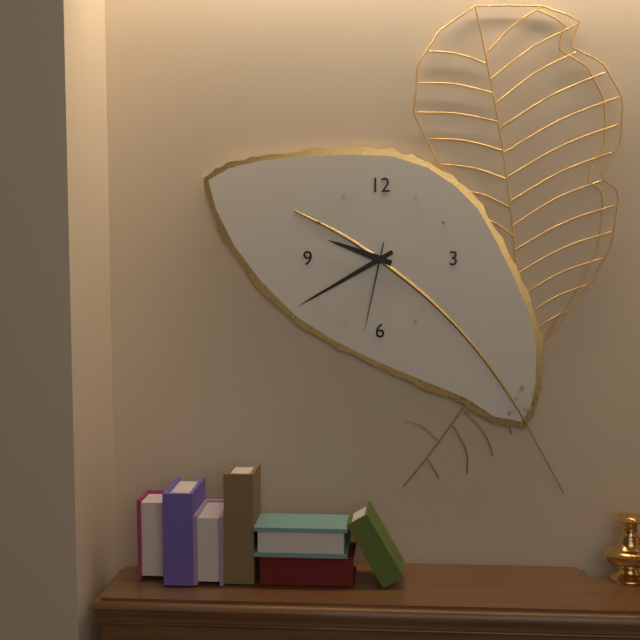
{"hour": 9, "minute": 40, "second": 32}
